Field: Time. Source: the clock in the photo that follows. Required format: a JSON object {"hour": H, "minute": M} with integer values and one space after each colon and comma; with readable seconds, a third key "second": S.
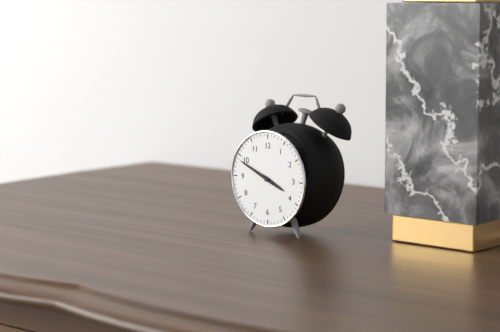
{"hour": 3, "minute": 49}
